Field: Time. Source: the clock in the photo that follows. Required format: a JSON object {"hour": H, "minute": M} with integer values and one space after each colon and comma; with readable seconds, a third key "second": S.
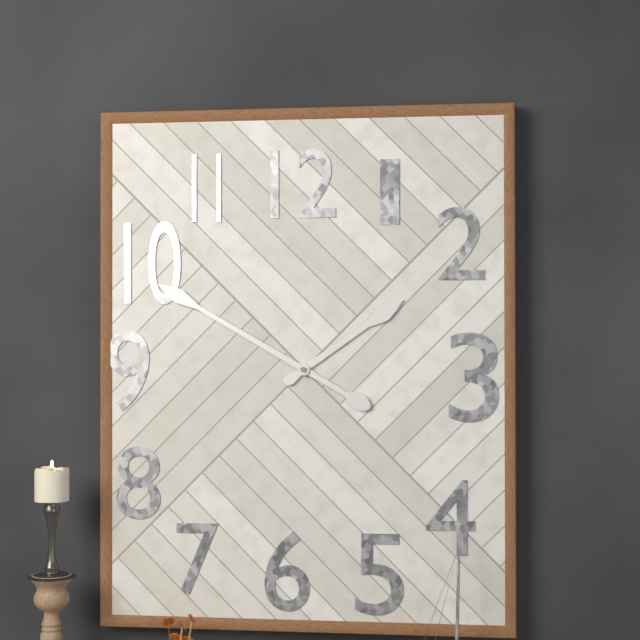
{"hour": 1, "minute": 50}
